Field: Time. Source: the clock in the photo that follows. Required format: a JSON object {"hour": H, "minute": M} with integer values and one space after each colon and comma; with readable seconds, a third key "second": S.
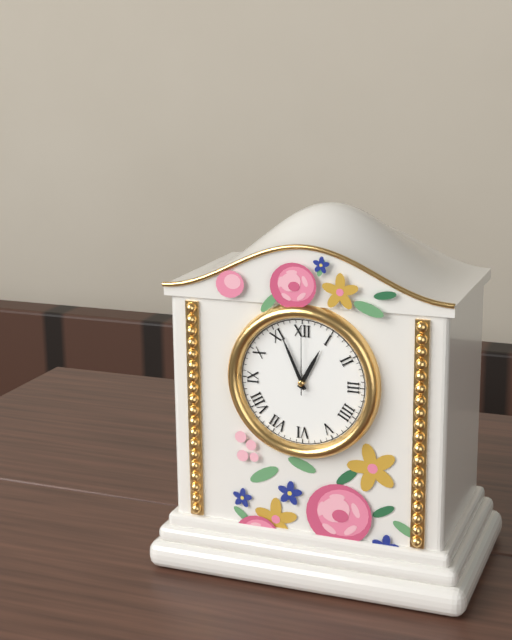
{"hour": 12, "minute": 56, "second": 0}
